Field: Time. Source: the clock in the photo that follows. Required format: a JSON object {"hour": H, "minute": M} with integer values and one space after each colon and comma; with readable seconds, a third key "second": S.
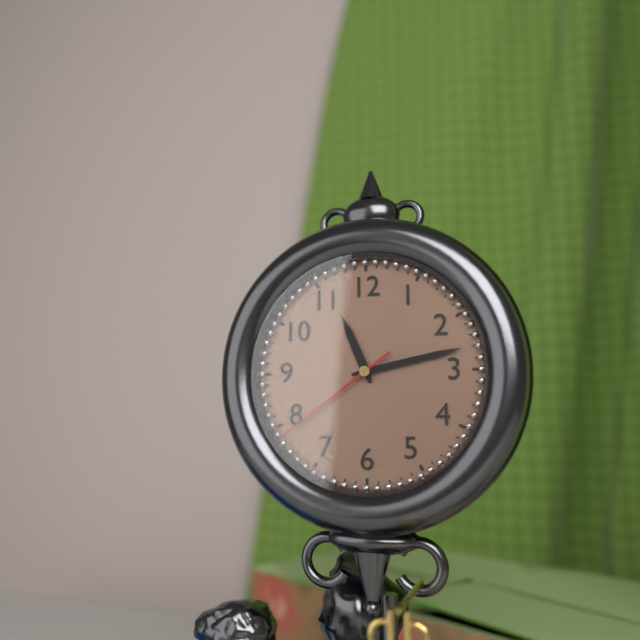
{"hour": 11, "minute": 13, "second": 39}
